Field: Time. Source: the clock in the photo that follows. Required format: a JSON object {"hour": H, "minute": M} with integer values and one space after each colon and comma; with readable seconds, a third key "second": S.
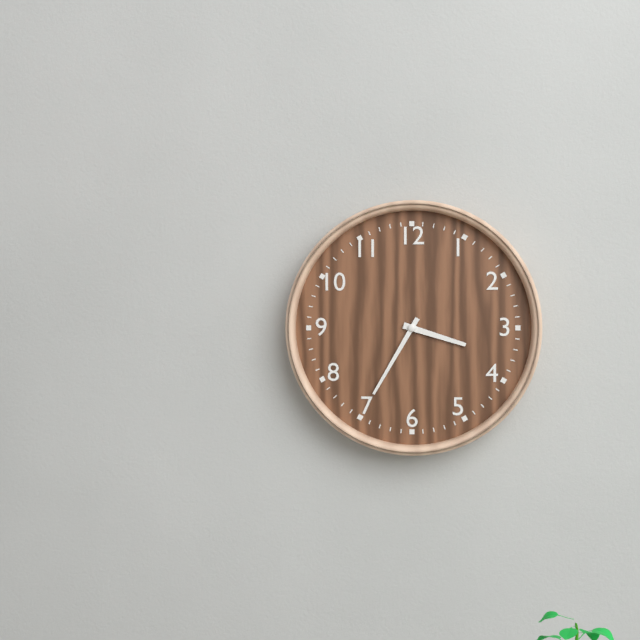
{"hour": 3, "minute": 35}
